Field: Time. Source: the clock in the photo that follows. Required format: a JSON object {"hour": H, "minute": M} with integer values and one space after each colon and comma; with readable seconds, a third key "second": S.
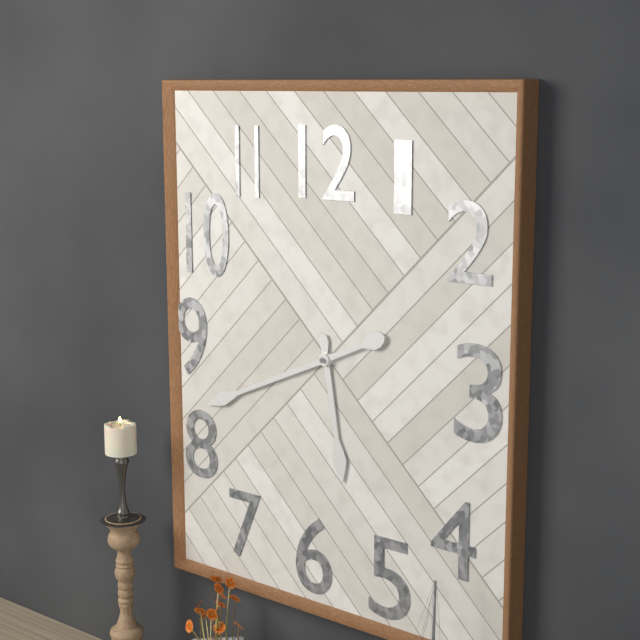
{"hour": 5, "minute": 41}
